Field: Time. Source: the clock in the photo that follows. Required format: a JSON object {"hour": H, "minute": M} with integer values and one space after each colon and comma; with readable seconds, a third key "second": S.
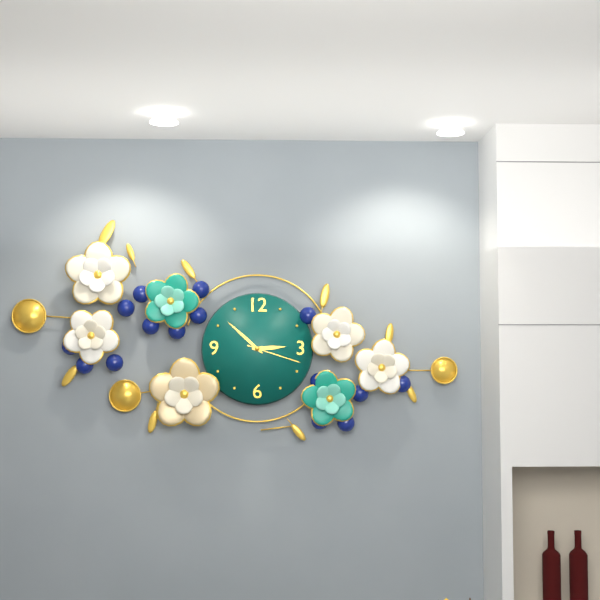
{"hour": 2, "minute": 52, "second": 18}
